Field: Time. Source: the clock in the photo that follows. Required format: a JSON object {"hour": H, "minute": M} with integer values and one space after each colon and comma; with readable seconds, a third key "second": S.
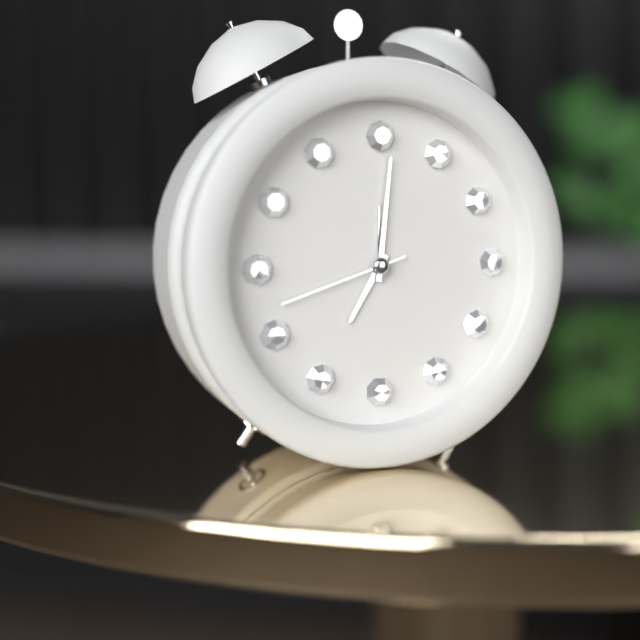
{"hour": 7, "minute": 1, "second": 42}
